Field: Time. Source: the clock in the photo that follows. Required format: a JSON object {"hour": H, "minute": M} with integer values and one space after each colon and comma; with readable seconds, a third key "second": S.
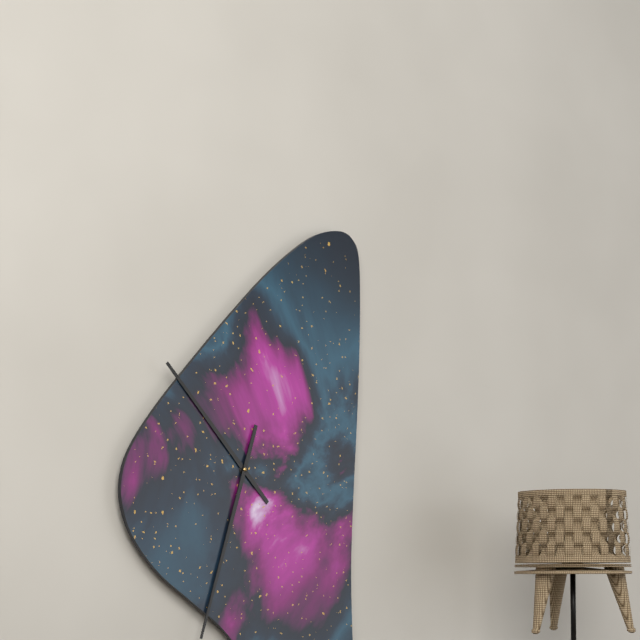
{"hour": 10, "minute": 33}
